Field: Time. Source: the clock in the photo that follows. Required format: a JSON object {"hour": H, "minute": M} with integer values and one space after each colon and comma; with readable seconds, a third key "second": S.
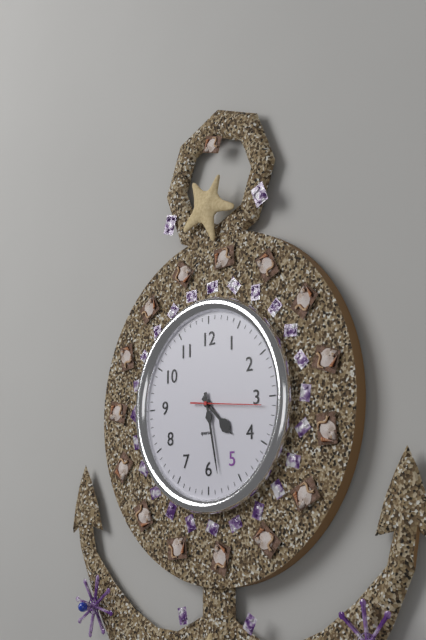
{"hour": 4, "minute": 28, "second": 16}
